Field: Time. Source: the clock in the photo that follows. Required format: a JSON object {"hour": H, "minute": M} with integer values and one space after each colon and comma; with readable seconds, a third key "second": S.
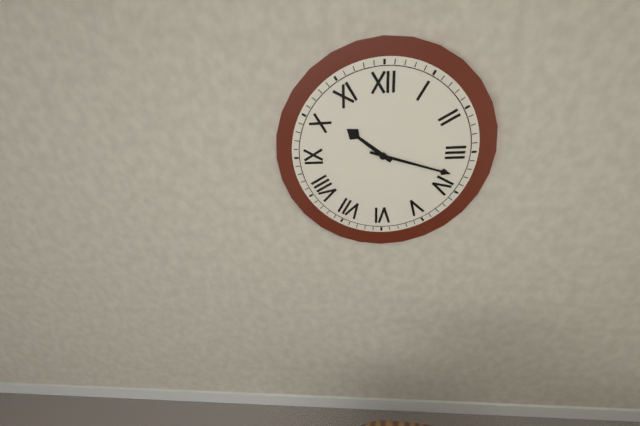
{"hour": 10, "minute": 18}
